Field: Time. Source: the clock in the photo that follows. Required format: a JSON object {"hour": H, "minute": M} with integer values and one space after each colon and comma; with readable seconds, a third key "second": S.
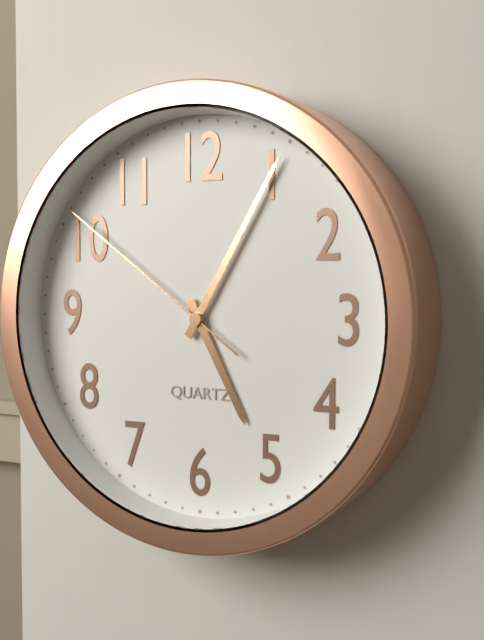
{"hour": 5, "minute": 5, "second": 51}
